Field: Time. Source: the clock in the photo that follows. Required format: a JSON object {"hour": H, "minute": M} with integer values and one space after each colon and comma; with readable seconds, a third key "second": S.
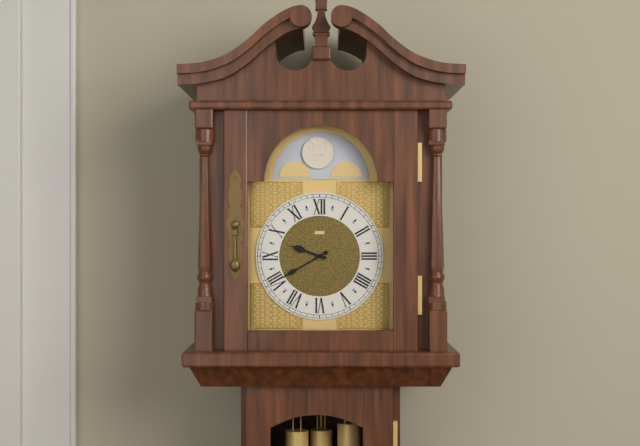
{"hour": 9, "minute": 40}
